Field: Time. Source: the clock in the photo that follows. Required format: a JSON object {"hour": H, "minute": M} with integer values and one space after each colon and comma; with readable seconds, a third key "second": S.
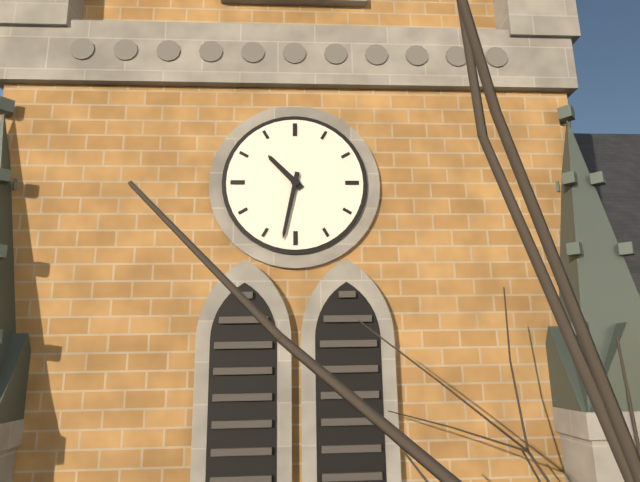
{"hour": 10, "minute": 32}
